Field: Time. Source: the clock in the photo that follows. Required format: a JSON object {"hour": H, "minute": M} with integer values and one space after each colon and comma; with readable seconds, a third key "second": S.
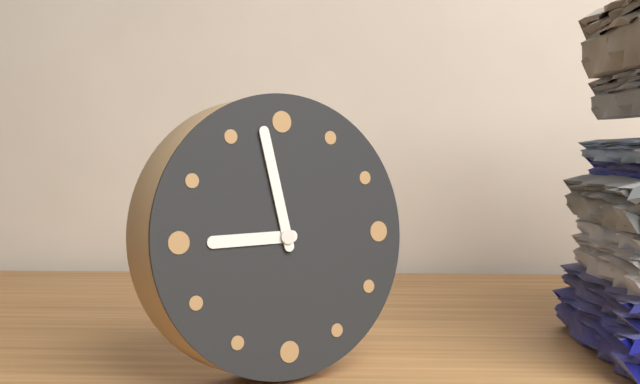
{"hour": 8, "minute": 58}
